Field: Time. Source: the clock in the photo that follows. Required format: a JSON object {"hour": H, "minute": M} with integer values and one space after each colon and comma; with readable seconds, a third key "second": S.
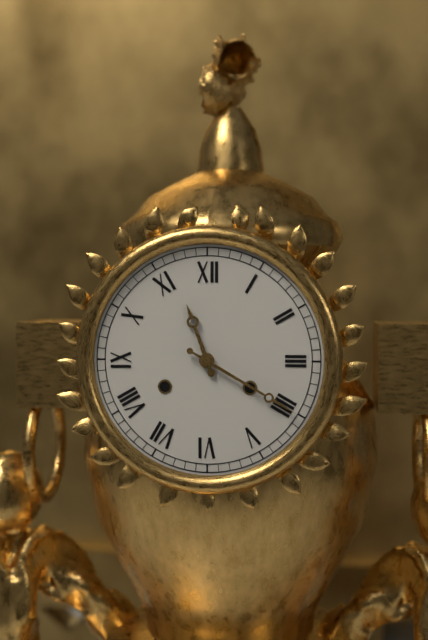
{"hour": 11, "minute": 20}
